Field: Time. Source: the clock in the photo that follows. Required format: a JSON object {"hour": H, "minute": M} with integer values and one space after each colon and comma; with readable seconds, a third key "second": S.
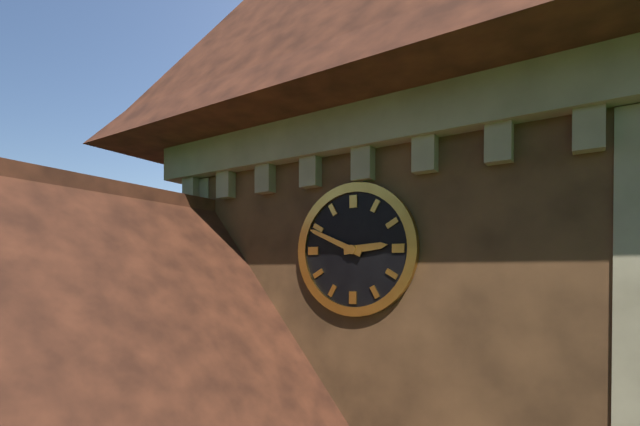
{"hour": 2, "minute": 49}
